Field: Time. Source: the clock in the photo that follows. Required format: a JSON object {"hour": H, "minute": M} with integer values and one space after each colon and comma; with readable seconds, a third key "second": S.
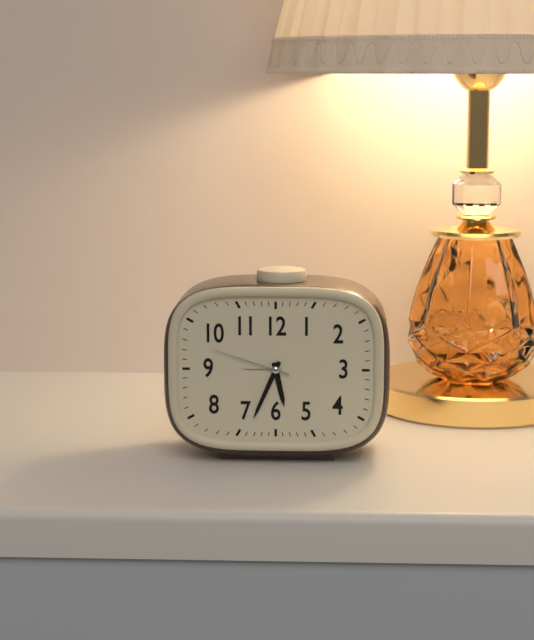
{"hour": 5, "minute": 34, "second": 48}
